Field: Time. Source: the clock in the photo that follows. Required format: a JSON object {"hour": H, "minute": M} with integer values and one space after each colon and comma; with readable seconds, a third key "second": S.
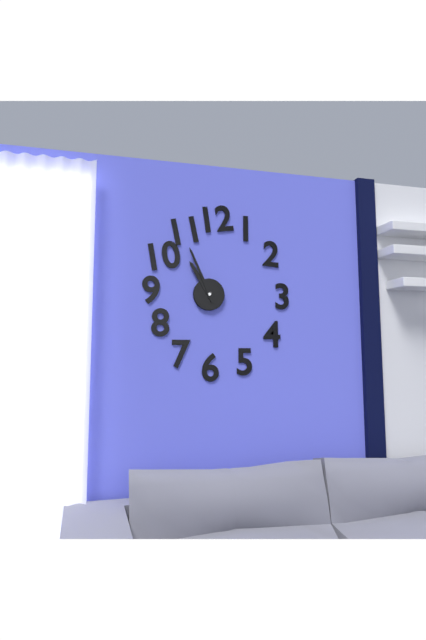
{"hour": 10, "minute": 56}
